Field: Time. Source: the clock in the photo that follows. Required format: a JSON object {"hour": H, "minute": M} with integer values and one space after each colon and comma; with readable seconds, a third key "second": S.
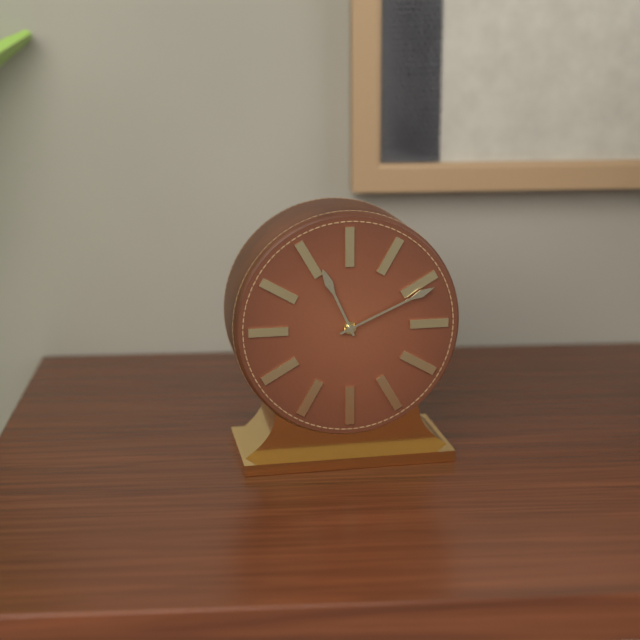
{"hour": 11, "minute": 11}
